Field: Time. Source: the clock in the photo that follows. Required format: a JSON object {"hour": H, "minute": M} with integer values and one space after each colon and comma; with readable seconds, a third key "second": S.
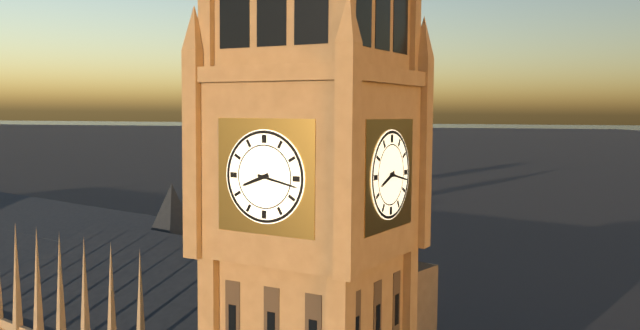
{"hour": 8, "minute": 17}
